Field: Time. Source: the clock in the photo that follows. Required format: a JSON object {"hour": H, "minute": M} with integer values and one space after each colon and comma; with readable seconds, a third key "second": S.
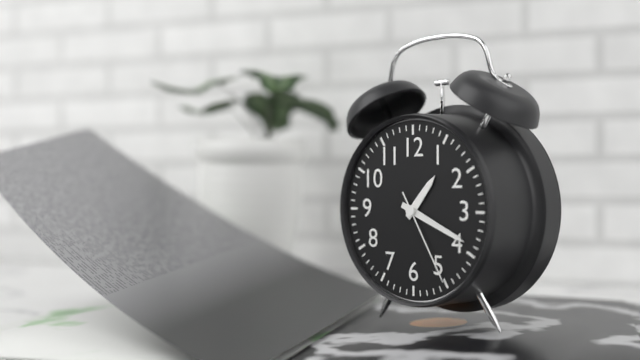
{"hour": 1, "minute": 19, "second": 25}
